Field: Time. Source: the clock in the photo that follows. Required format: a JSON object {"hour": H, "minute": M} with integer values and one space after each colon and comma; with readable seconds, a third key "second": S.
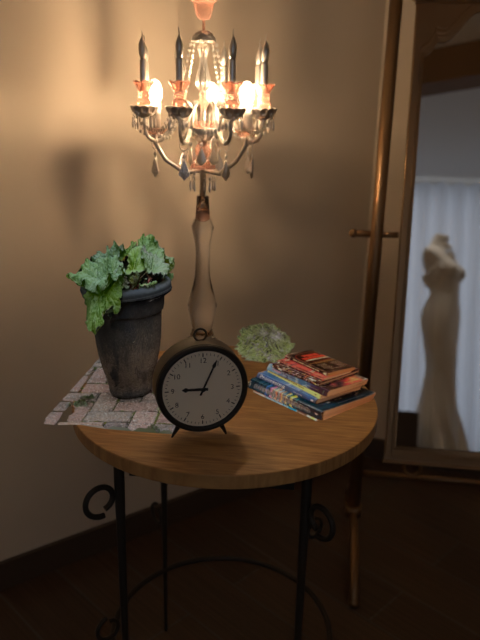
{"hour": 9, "minute": 4}
